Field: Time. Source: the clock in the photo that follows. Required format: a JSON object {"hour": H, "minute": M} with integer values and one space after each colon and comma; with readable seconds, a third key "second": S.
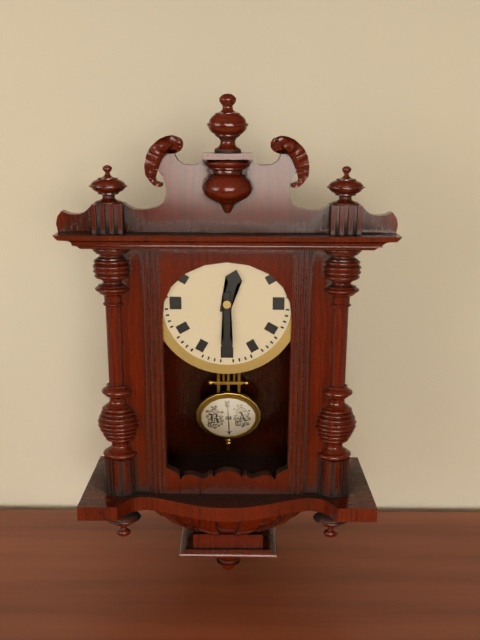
{"hour": 12, "minute": 30}
